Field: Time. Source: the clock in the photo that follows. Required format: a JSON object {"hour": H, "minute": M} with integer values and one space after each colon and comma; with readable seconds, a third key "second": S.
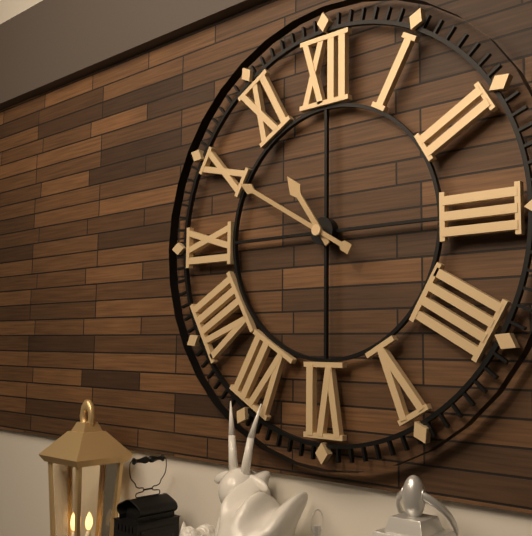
{"hour": 10, "minute": 50}
